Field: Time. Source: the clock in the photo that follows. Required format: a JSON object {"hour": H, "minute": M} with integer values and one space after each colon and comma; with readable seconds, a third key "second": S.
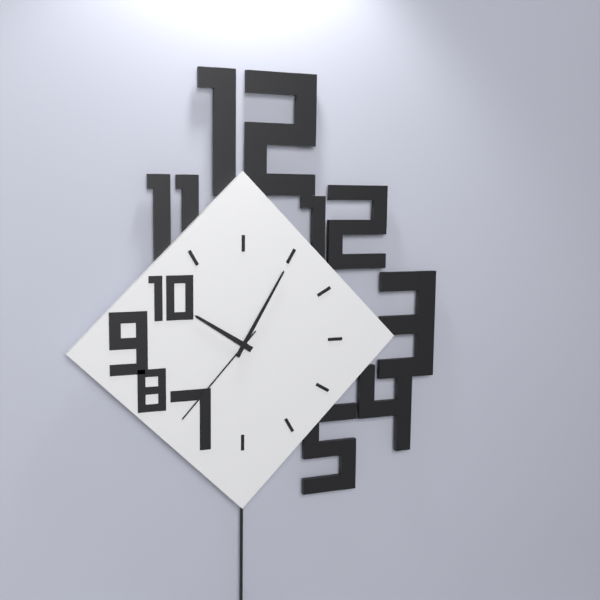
{"hour": 10, "minute": 5, "second": 37}
